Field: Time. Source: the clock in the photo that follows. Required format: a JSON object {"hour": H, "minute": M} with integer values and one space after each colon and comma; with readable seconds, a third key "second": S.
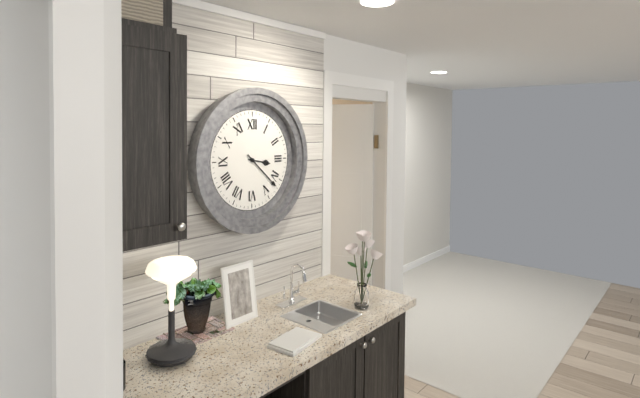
{"hour": 3, "minute": 22}
